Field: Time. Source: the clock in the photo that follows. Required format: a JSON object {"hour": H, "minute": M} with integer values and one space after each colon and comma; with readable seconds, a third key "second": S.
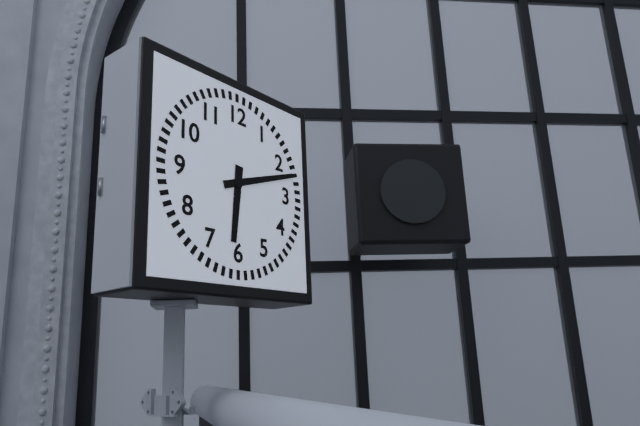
{"hour": 6, "minute": 12}
